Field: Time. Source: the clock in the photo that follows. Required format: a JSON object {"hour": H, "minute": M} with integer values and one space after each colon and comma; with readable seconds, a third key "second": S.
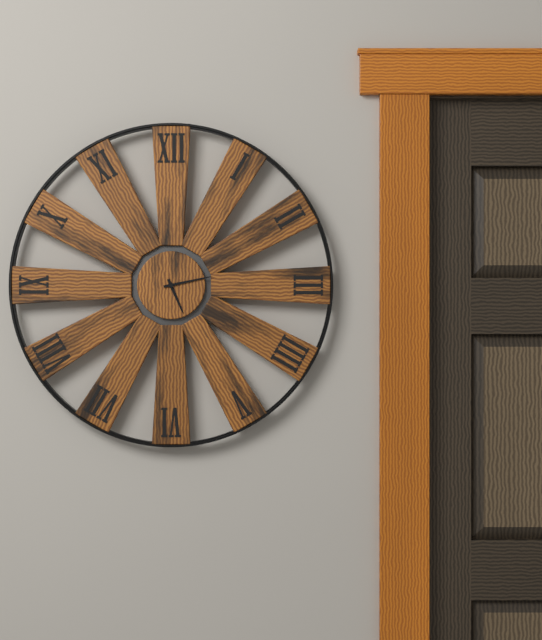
{"hour": 5, "minute": 13}
